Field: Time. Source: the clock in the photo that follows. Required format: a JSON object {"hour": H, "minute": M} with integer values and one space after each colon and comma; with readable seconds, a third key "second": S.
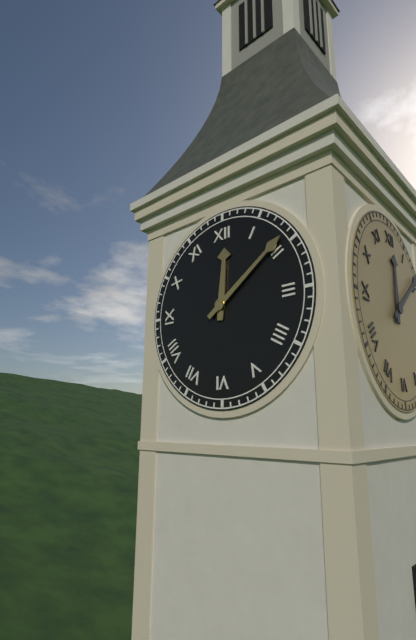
{"hour": 12, "minute": 9}
